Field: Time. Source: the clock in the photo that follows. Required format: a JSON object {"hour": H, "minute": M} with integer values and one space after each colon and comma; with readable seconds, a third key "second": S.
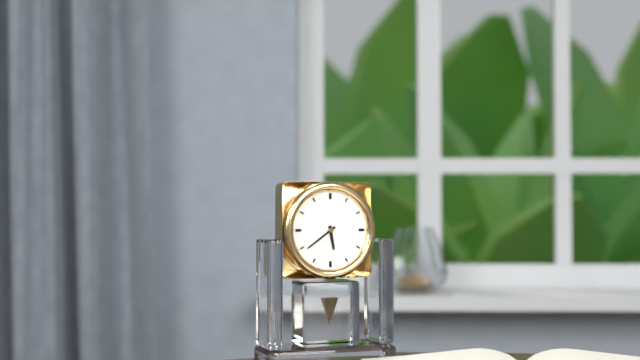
{"hour": 5, "minute": 39}
